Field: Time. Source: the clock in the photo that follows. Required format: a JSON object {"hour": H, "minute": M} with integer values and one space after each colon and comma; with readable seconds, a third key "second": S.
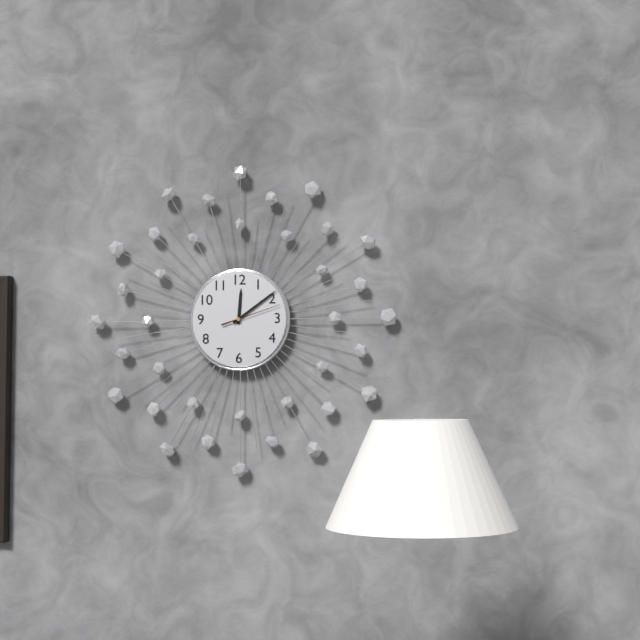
{"hour": 12, "minute": 9, "second": 12}
